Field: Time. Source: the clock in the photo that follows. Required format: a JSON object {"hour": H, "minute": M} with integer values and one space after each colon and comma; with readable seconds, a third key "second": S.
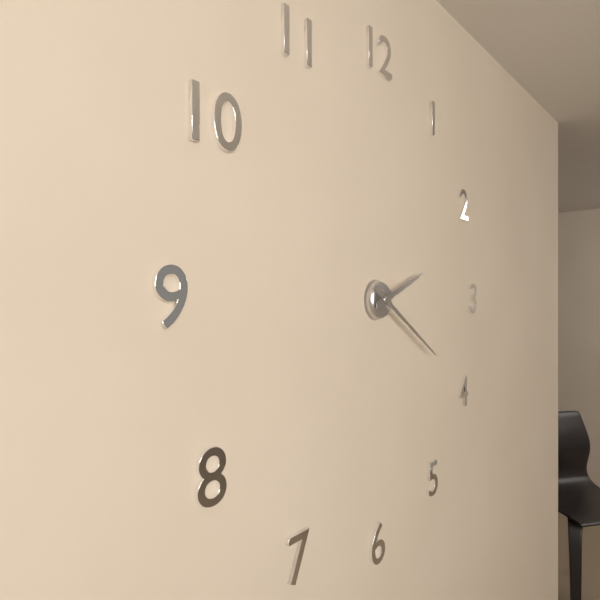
{"hour": 2, "minute": 20}
